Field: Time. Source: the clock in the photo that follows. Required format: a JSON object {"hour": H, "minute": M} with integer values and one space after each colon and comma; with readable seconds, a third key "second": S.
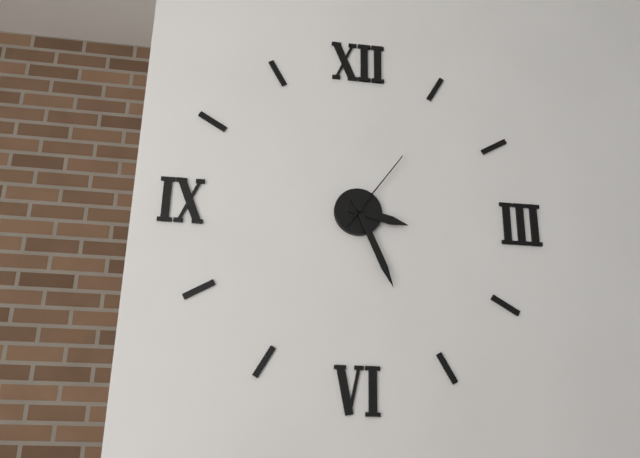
{"hour": 3, "minute": 26, "second": 6}
